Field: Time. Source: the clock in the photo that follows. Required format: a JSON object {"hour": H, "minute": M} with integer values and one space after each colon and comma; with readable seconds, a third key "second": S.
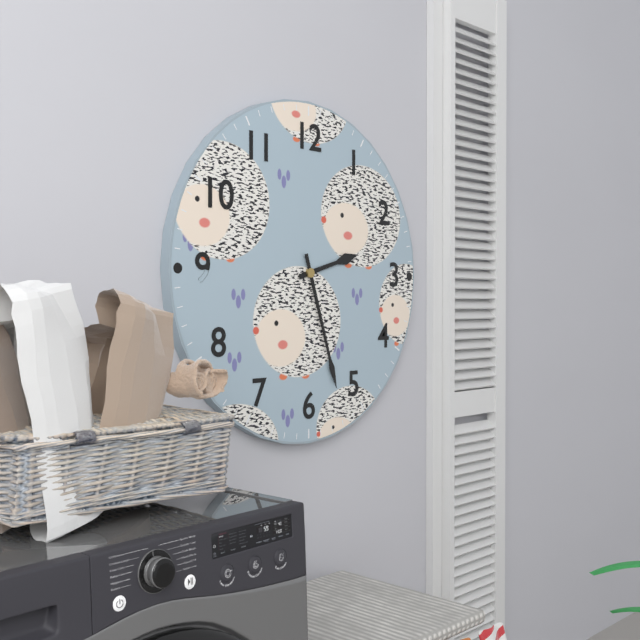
{"hour": 2, "minute": 27}
